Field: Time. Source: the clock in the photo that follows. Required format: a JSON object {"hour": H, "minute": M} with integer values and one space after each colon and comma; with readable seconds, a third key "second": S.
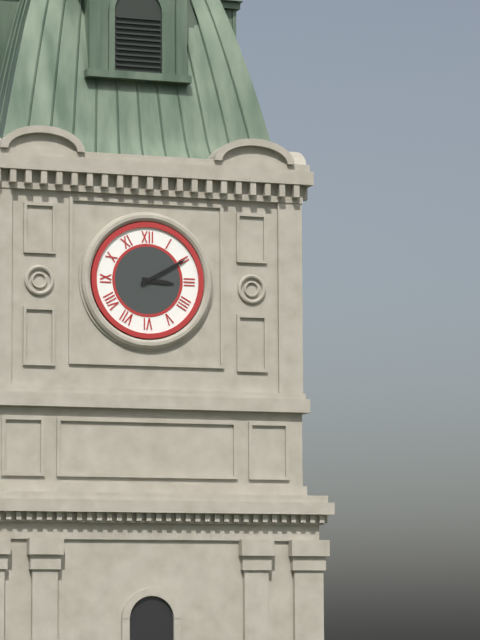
{"hour": 3, "minute": 10}
